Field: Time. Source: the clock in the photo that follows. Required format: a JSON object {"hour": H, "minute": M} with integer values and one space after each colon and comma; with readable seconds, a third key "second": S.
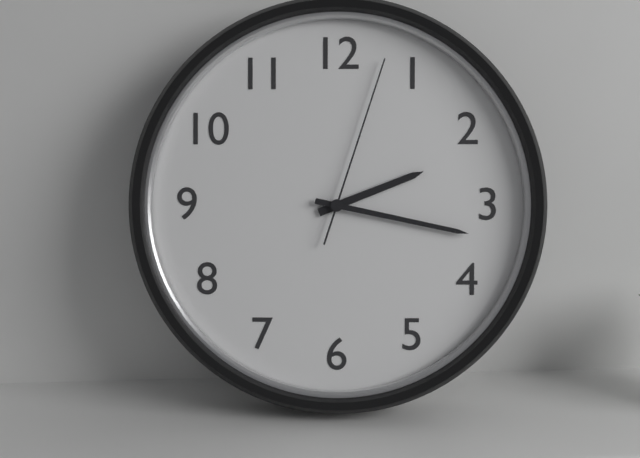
{"hour": 2, "minute": 17, "second": 3}
